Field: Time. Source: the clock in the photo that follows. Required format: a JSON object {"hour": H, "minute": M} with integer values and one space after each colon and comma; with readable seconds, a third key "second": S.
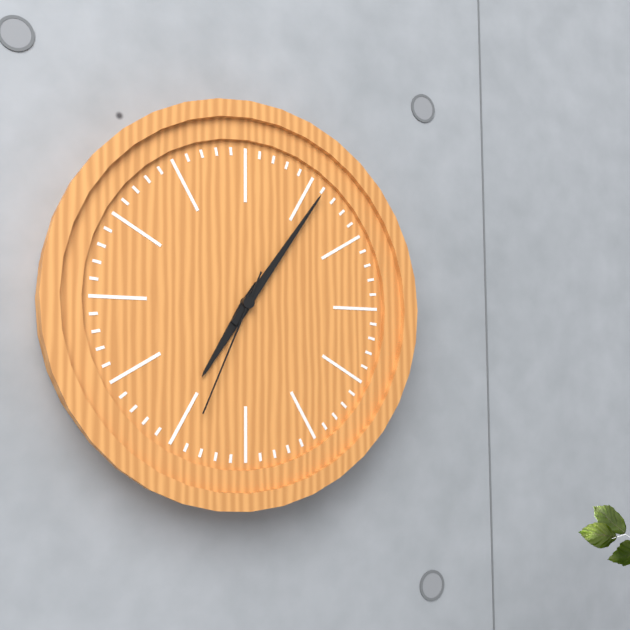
{"hour": 7, "minute": 6, "second": 34}
